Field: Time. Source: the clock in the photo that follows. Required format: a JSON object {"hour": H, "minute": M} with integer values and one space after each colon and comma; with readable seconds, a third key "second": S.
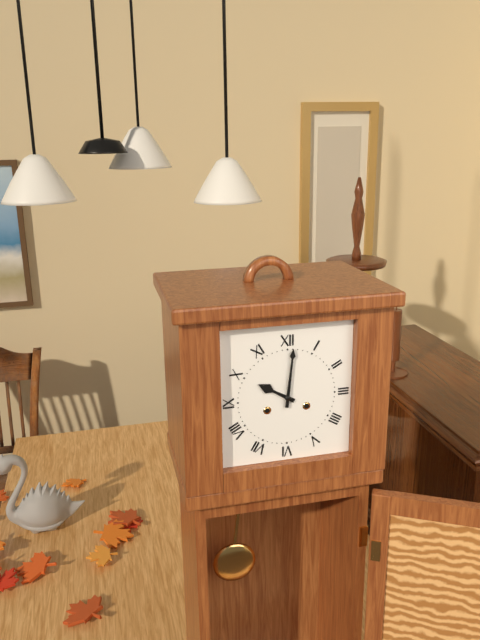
{"hour": 10, "minute": 1}
